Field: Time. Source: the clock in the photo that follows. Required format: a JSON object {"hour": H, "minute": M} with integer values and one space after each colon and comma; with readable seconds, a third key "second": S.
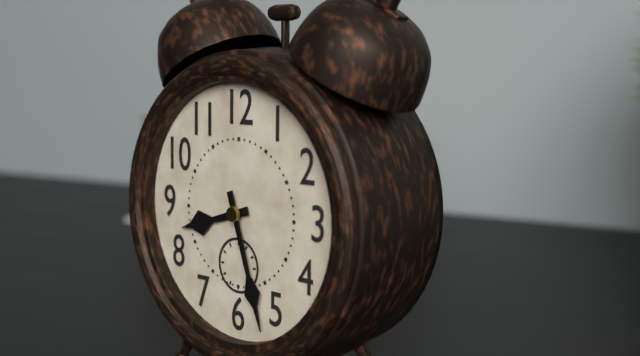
{"hour": 8, "minute": 27}
